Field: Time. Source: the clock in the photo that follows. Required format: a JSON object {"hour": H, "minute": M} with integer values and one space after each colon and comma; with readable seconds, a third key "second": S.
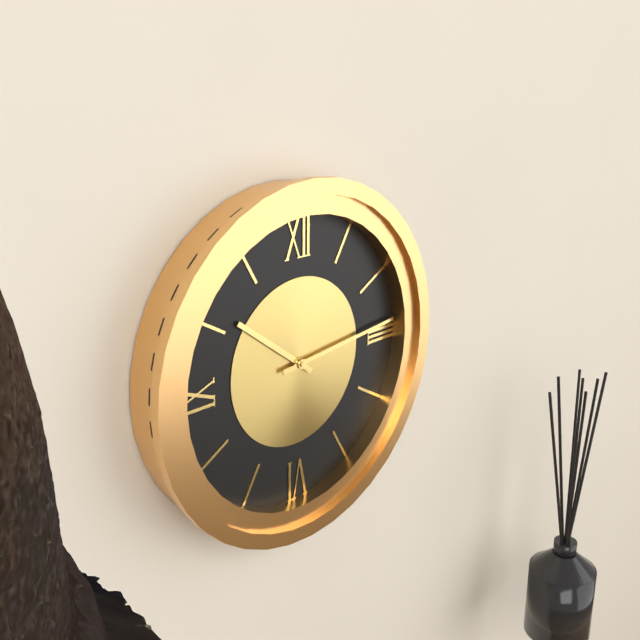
{"hour": 10, "minute": 14}
